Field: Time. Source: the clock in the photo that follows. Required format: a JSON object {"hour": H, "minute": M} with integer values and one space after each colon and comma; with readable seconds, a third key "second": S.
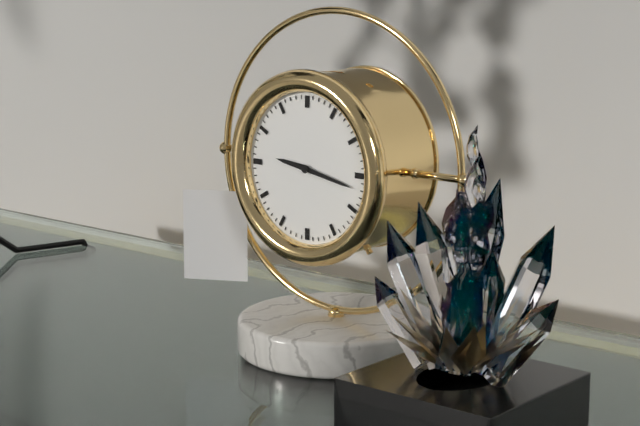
{"hour": 9, "minute": 17}
